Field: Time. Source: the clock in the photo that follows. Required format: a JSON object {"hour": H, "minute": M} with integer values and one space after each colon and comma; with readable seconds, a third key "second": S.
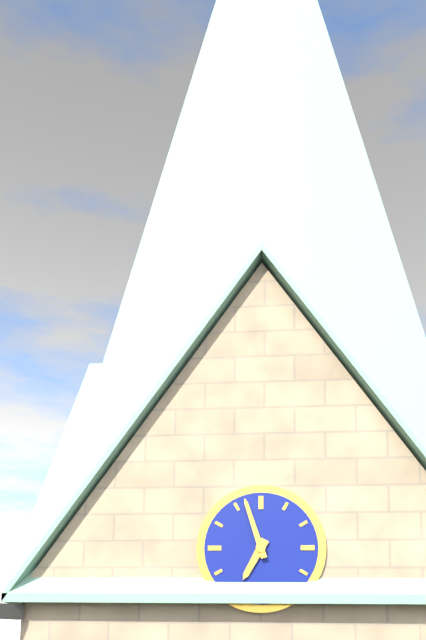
{"hour": 6, "minute": 57}
